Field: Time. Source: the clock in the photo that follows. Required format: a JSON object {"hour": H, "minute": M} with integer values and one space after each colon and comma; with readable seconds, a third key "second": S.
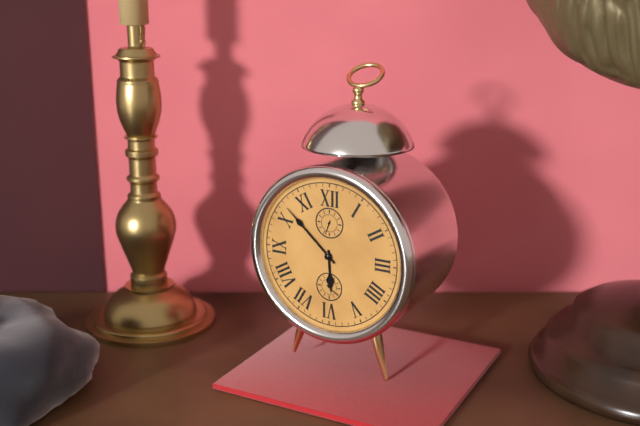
{"hour": 5, "minute": 52}
